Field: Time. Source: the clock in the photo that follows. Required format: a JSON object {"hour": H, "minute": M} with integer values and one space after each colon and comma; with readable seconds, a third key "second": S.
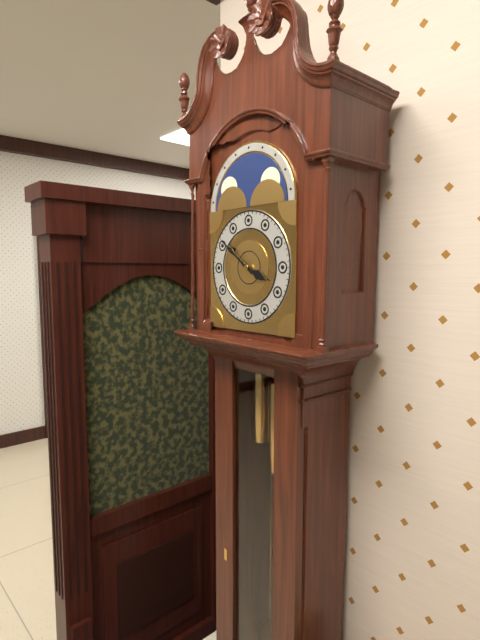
{"hour": 3, "minute": 51}
